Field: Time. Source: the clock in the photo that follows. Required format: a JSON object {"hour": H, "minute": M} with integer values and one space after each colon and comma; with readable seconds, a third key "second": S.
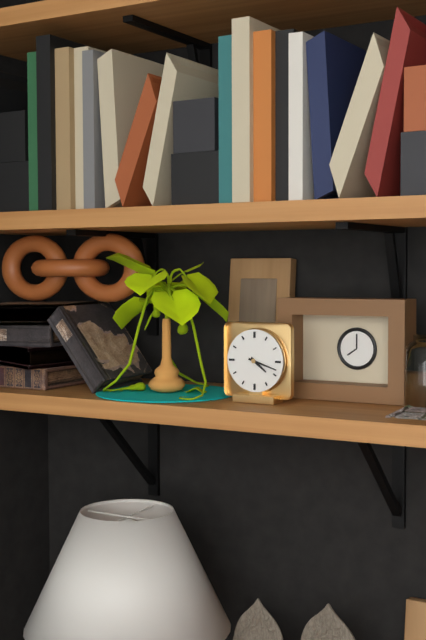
{"hour": 4, "minute": 18}
